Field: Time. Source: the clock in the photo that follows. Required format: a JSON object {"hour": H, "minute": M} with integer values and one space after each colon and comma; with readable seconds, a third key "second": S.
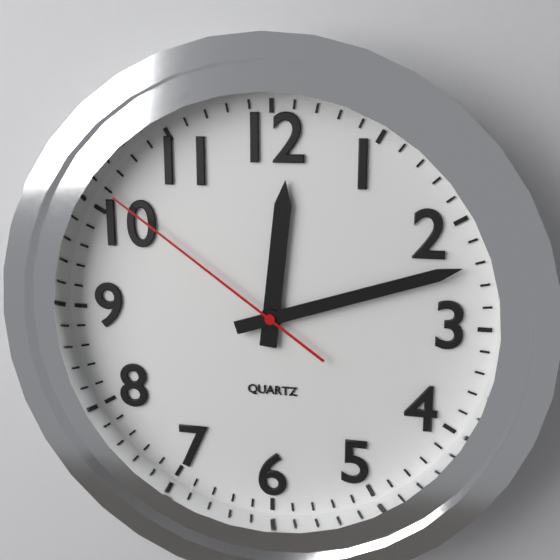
{"hour": 12, "minute": 12, "second": 51}
